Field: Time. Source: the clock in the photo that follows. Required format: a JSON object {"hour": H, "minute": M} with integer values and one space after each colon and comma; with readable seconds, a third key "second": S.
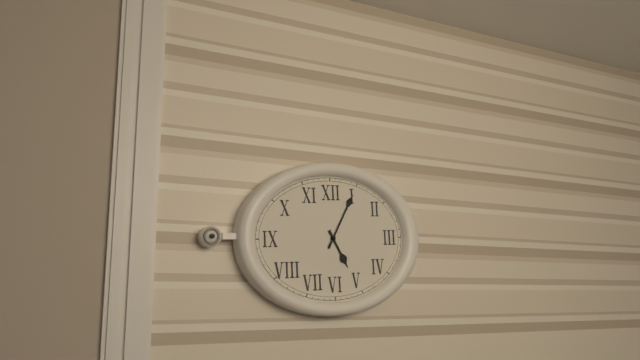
{"hour": 5, "minute": 5}
